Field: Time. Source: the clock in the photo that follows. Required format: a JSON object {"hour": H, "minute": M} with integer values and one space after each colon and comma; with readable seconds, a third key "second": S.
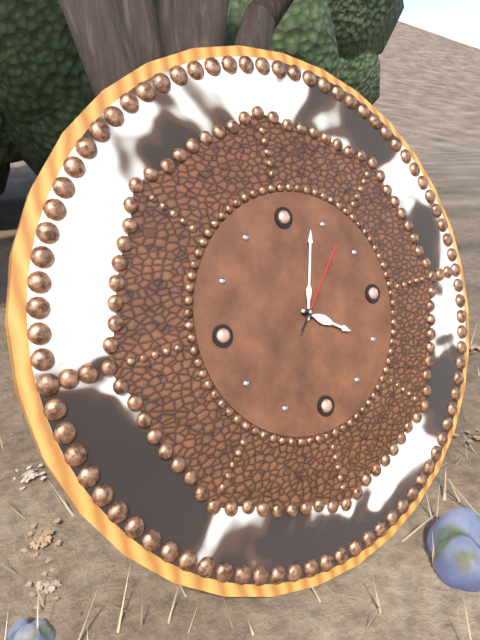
{"hour": 4, "minute": 3, "second": 7}
